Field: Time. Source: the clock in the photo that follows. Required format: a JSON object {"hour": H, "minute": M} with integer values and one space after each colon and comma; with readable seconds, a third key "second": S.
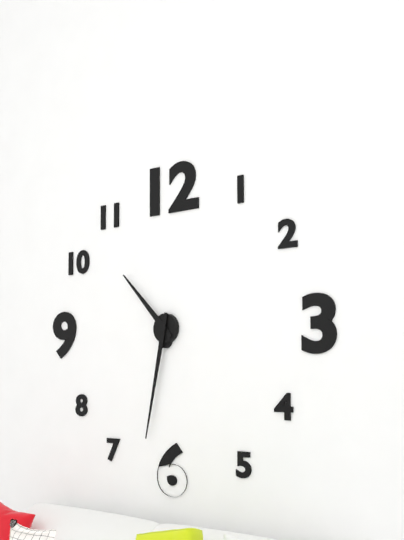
{"hour": 10, "minute": 32}
